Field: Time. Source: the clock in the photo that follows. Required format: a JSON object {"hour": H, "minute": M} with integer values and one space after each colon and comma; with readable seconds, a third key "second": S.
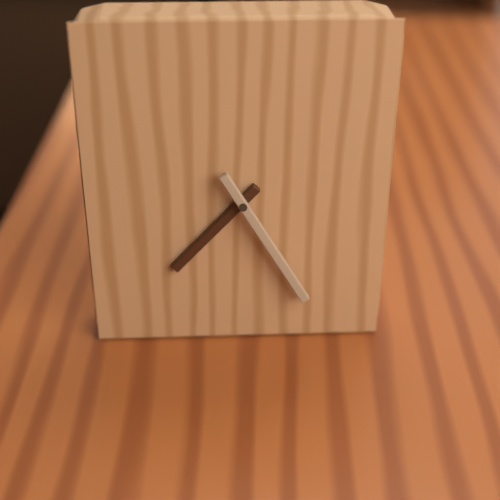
{"hour": 7, "minute": 25}
